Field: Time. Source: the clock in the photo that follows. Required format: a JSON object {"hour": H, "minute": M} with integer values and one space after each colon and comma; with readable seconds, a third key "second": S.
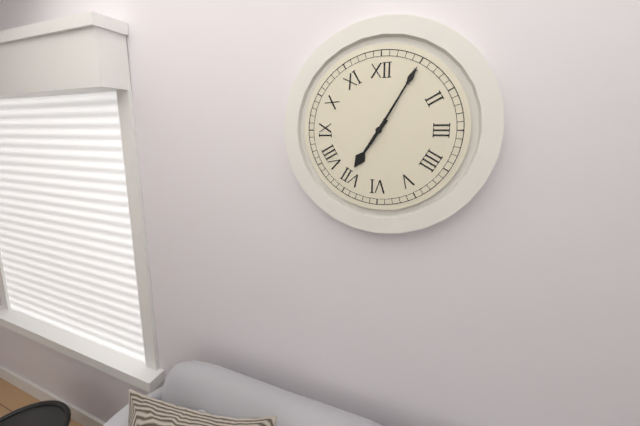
{"hour": 7, "minute": 5}
